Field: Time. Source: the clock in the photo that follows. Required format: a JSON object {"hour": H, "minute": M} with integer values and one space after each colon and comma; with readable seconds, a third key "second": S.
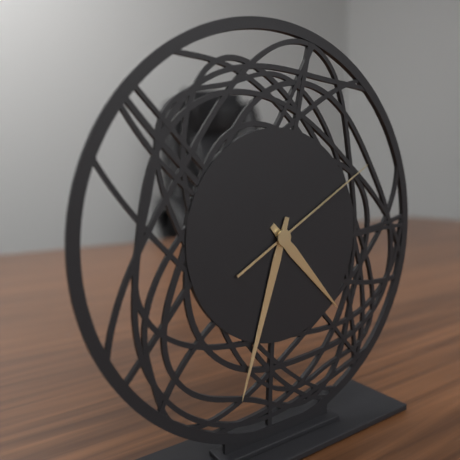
{"hour": 4, "minute": 33, "second": 10}
